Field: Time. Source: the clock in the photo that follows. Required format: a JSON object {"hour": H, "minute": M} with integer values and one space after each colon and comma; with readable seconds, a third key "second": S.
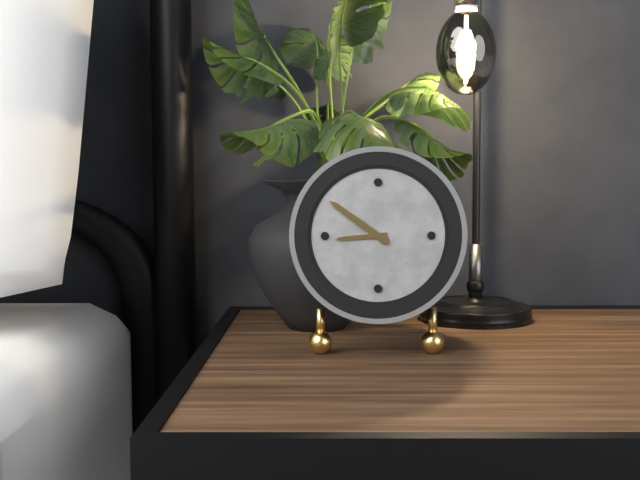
{"hour": 8, "minute": 51}
